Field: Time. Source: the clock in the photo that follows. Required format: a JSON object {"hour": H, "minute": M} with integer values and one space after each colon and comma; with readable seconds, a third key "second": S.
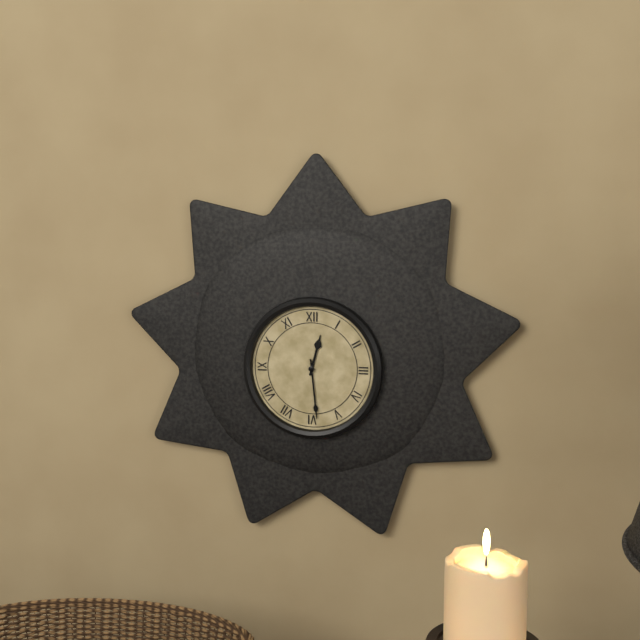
{"hour": 12, "minute": 29}
